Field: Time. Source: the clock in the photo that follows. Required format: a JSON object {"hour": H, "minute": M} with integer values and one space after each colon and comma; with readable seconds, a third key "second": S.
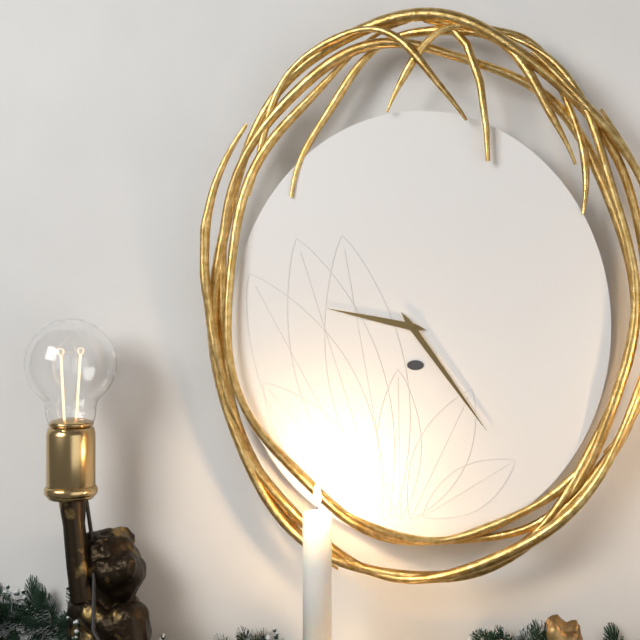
{"hour": 9, "minute": 24}
